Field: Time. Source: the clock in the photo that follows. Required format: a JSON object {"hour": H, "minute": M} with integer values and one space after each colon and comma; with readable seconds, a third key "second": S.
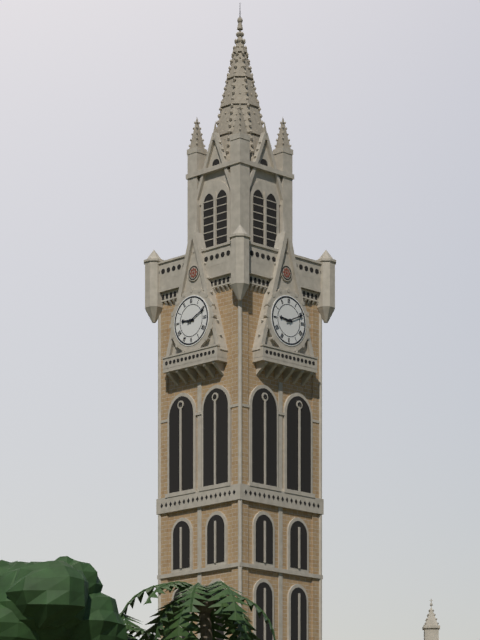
{"hour": 9, "minute": 11}
